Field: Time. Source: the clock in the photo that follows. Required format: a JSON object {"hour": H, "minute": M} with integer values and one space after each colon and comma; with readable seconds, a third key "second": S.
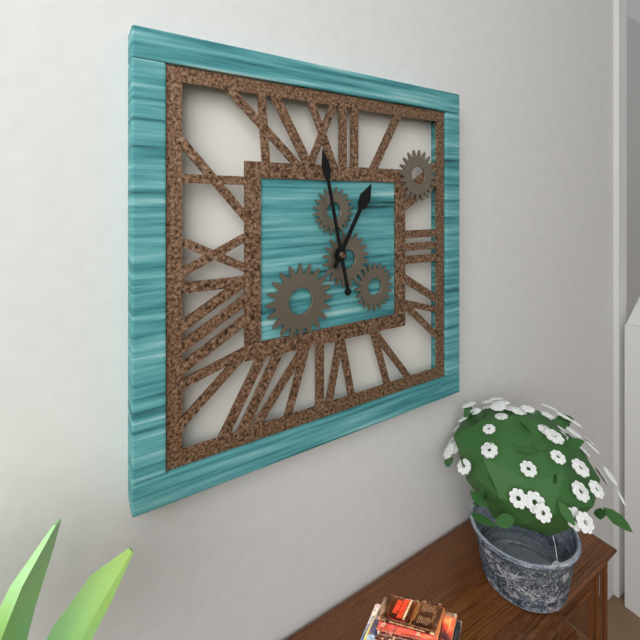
{"hour": 12, "minute": 58}
